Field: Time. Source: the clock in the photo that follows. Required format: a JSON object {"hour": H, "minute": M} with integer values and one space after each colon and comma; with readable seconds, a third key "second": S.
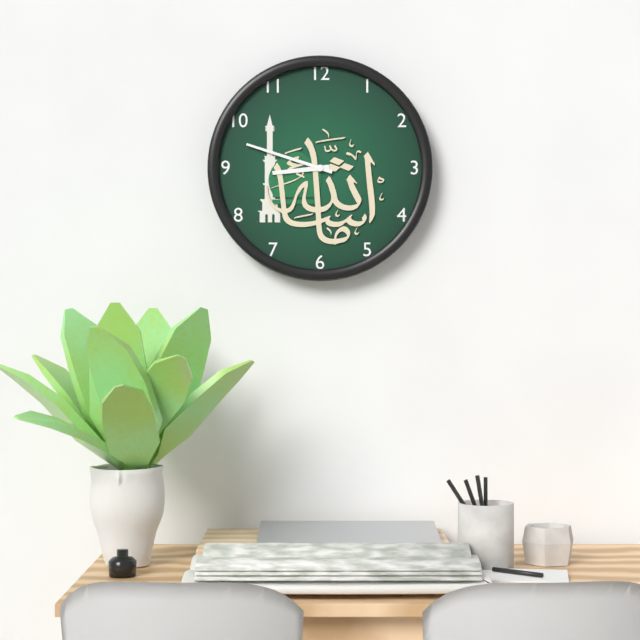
{"hour": 8, "minute": 48}
